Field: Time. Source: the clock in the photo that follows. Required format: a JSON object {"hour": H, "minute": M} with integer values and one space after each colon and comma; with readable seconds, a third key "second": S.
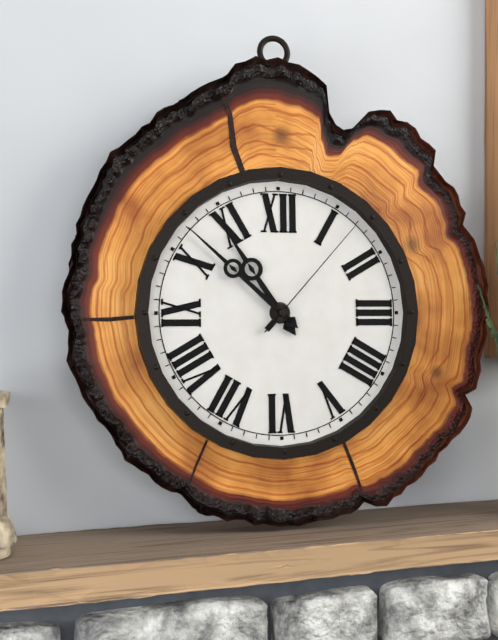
{"hour": 10, "minute": 52, "second": 7}
